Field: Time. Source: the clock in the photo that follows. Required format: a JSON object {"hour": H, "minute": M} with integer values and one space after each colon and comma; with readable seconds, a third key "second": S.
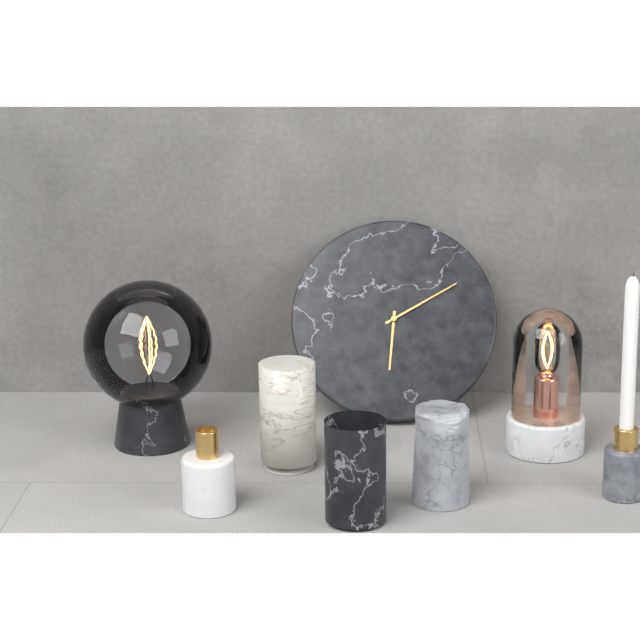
{"hour": 6, "minute": 10}
